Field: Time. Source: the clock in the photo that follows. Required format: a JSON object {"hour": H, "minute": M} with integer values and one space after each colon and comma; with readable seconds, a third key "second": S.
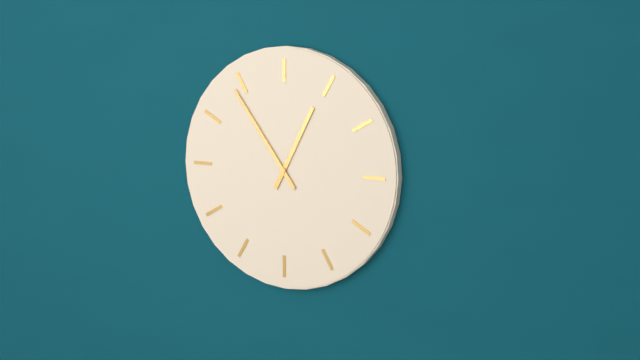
{"hour": 12, "minute": 54}
